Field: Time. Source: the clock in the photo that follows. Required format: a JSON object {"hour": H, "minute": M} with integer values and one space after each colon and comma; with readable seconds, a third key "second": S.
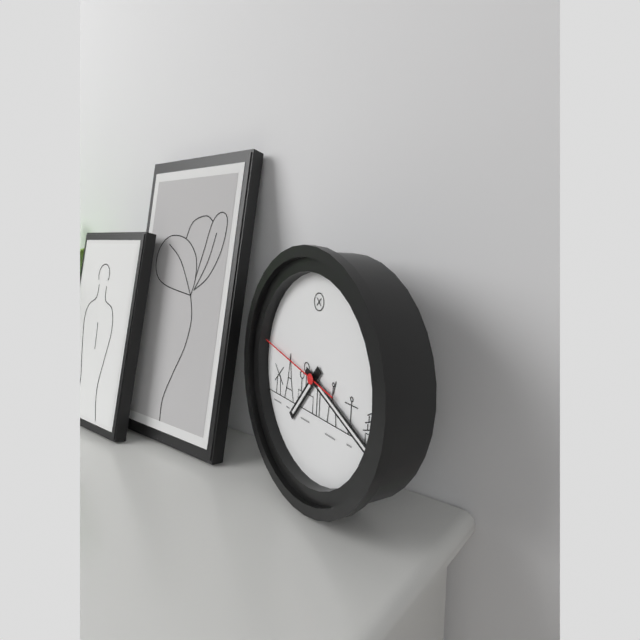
{"hour": 7, "minute": 19, "second": 47}
